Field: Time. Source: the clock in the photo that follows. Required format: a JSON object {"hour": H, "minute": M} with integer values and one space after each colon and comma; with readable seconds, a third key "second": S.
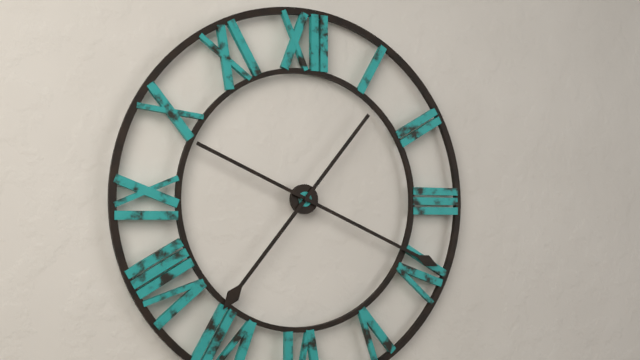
{"hour": 7, "minute": 19}
